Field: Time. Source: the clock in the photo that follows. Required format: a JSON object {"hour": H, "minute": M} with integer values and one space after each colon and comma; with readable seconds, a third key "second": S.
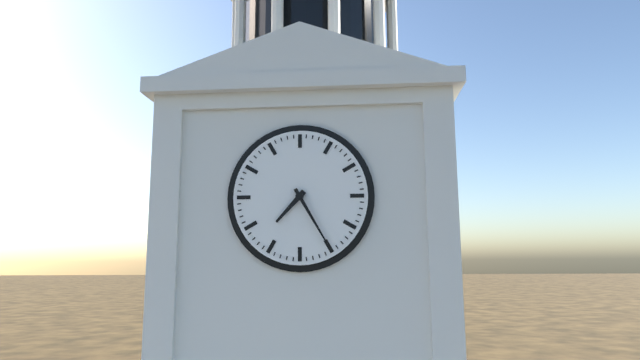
{"hour": 7, "minute": 25}
